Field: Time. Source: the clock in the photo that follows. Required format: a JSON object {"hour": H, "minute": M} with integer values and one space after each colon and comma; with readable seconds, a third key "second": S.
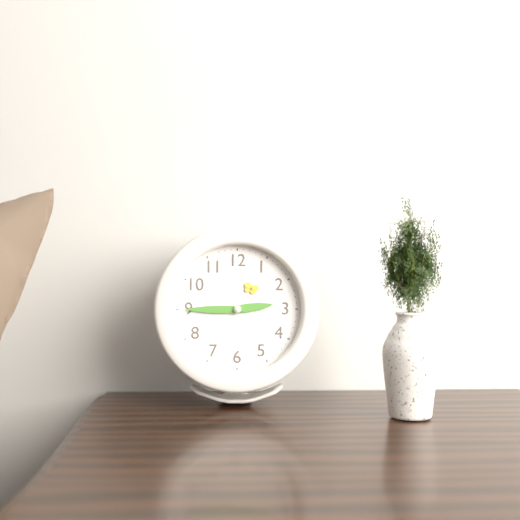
{"hour": 2, "minute": 45}
